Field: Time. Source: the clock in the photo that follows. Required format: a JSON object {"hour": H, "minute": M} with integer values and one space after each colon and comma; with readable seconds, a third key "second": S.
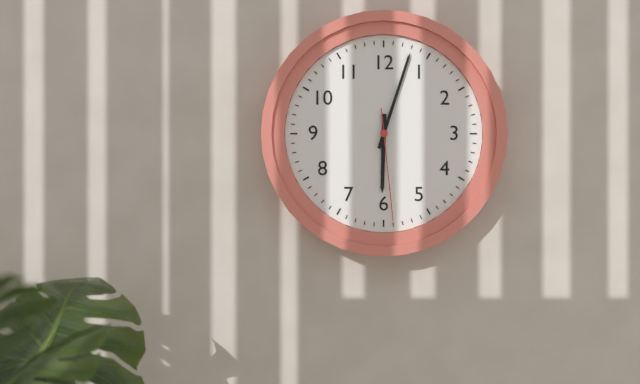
{"hour": 6, "minute": 3, "second": 29}
